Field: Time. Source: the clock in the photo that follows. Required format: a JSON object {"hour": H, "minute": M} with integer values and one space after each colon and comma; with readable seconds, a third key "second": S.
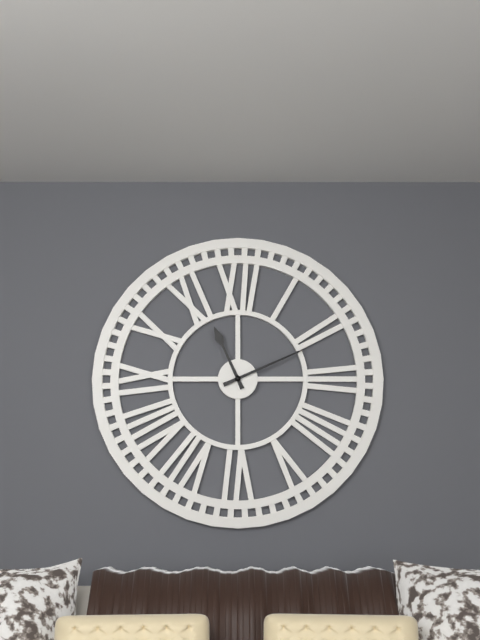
{"hour": 11, "minute": 11}
